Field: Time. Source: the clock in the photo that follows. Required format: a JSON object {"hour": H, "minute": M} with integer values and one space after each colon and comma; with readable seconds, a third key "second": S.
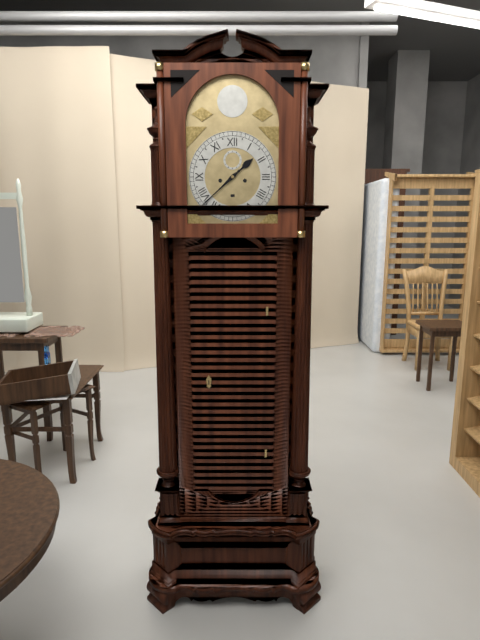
{"hour": 1, "minute": 38}
